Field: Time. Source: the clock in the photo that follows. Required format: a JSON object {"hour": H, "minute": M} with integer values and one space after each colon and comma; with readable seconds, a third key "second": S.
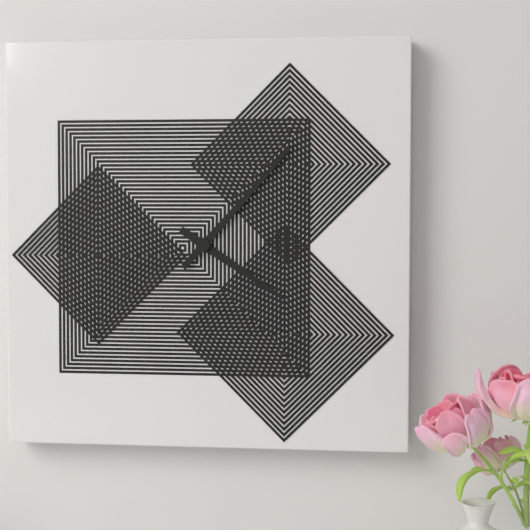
{"hour": 4, "minute": 7}
